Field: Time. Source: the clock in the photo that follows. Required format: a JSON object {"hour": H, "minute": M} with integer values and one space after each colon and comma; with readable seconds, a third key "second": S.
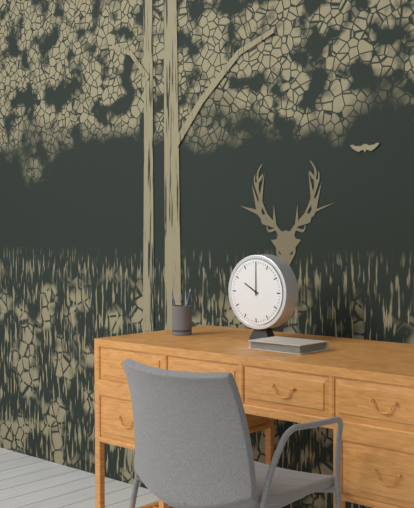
{"hour": 10, "minute": 0}
